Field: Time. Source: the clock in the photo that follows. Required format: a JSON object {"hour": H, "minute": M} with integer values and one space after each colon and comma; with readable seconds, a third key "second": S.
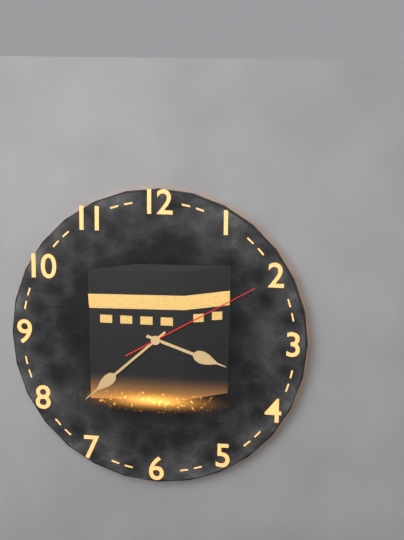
{"hour": 3, "minute": 38, "second": 10}
